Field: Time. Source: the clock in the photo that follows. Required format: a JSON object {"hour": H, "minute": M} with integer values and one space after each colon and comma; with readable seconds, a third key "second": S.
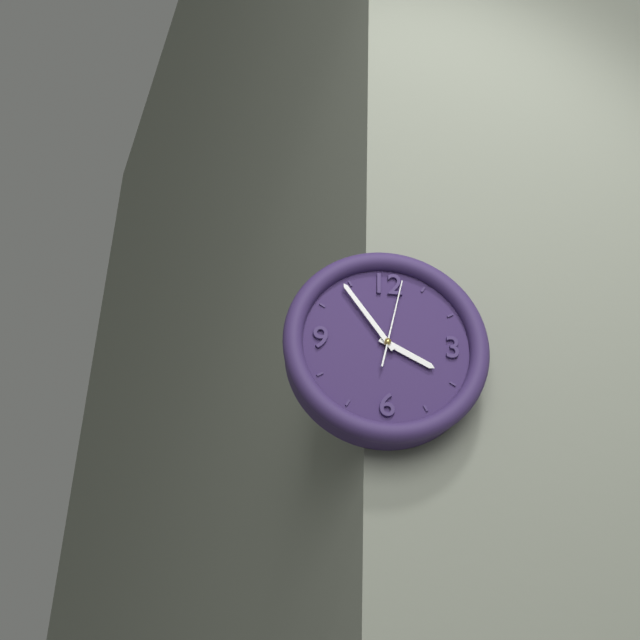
{"hour": 3, "minute": 54, "second": 2}
